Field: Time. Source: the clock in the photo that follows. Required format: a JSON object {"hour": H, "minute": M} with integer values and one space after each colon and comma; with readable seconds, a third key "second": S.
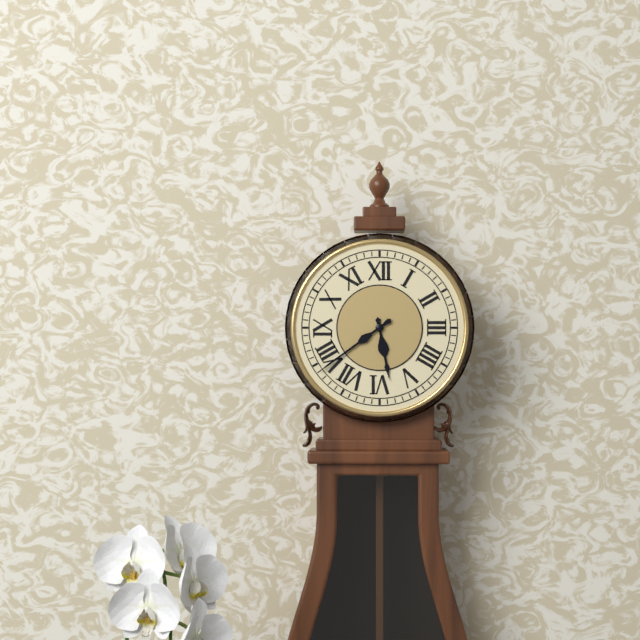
{"hour": 5, "minute": 39}
